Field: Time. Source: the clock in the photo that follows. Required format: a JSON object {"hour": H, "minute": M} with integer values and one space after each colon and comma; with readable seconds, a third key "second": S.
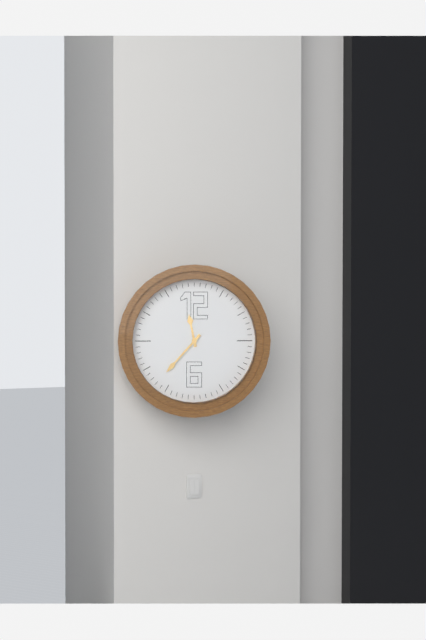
{"hour": 11, "minute": 37}
